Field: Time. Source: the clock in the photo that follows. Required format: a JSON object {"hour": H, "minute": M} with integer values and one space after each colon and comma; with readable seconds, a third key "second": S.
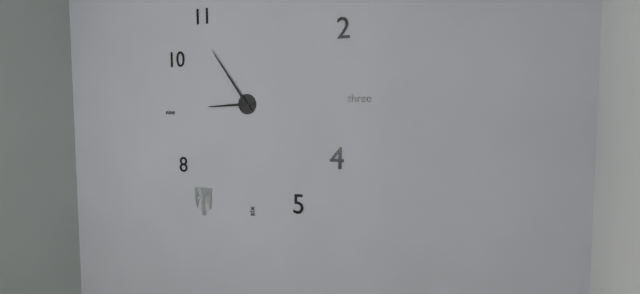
{"hour": 8, "minute": 54}
